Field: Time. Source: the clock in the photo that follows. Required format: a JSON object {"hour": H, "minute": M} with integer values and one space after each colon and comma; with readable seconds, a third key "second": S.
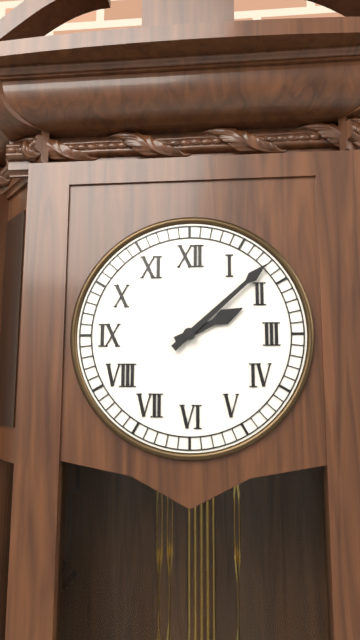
{"hour": 2, "minute": 8}
